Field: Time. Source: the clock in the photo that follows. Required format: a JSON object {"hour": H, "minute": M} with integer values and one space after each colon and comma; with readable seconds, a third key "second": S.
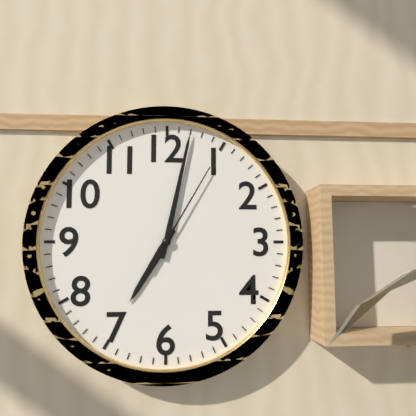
{"hour": 7, "minute": 2, "second": 5}
